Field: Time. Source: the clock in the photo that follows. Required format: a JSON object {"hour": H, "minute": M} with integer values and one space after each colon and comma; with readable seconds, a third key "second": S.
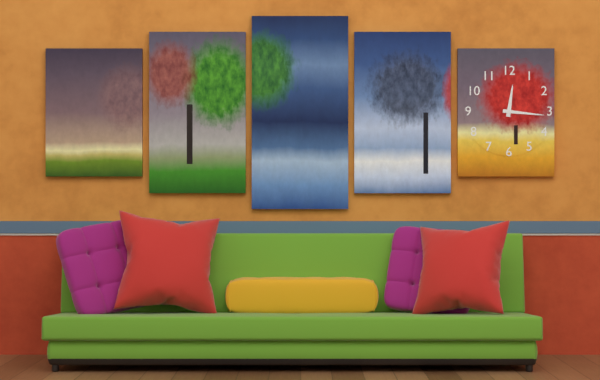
{"hour": 12, "minute": 16}
